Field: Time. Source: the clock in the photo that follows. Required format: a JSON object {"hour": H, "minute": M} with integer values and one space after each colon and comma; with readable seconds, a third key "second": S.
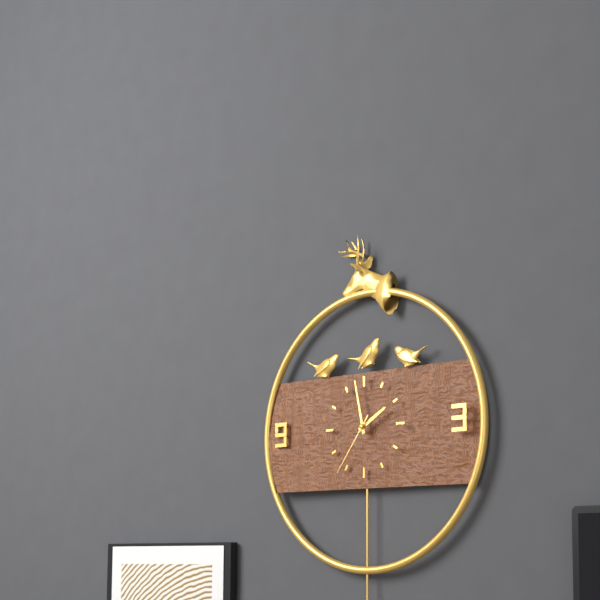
{"hour": 1, "minute": 58, "second": 36}
